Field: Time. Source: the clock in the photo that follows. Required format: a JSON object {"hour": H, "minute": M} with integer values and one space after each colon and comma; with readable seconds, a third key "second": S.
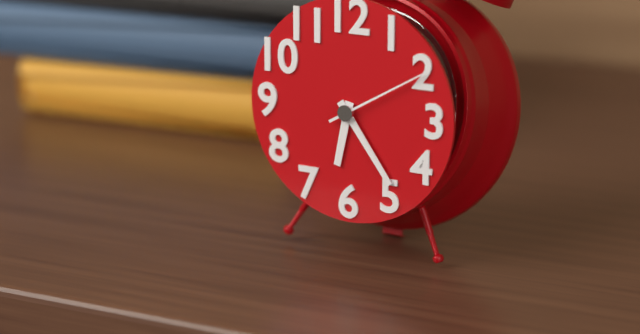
{"hour": 6, "minute": 24, "second": 10}
